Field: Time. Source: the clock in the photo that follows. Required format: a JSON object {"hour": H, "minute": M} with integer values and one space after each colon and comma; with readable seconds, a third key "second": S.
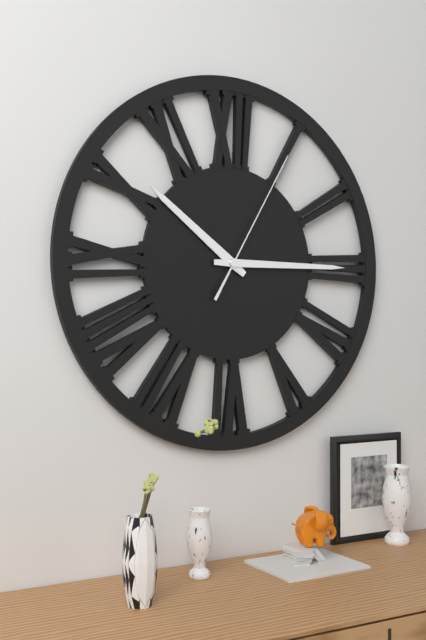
{"hour": 10, "minute": 15, "second": 5}
